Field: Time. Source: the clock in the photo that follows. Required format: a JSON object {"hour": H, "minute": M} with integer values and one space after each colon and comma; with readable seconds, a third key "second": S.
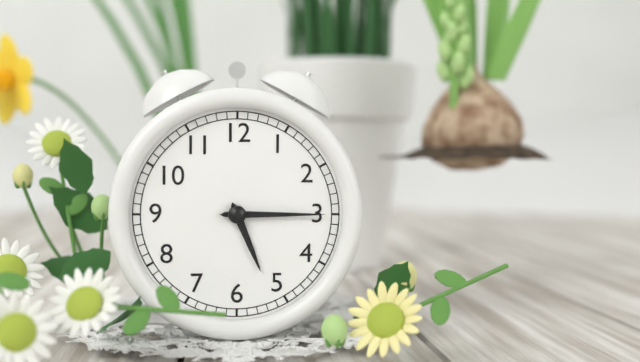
{"hour": 5, "minute": 15}
